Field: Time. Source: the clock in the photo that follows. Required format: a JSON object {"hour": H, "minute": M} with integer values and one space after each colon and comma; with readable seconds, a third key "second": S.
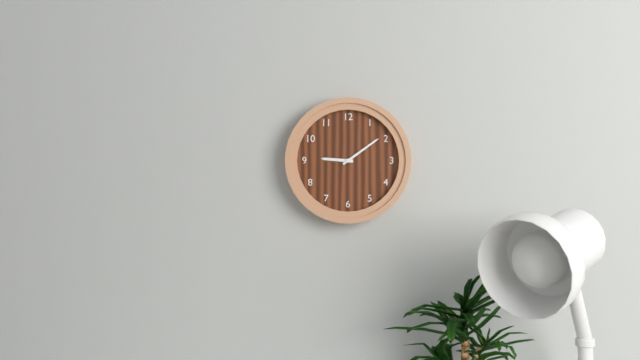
{"hour": 9, "minute": 9}
